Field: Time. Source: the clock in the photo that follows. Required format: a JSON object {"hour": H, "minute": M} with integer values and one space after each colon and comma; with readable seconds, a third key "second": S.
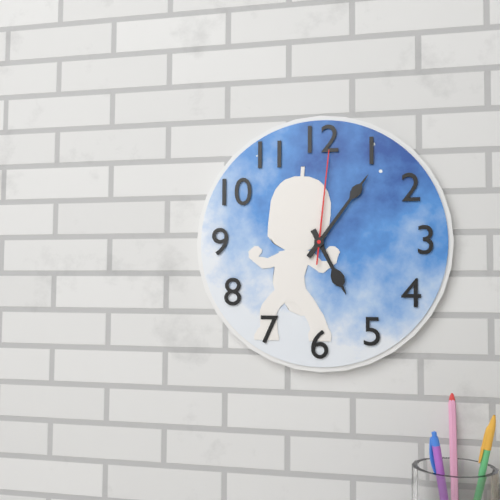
{"hour": 5, "minute": 6, "second": 1}
